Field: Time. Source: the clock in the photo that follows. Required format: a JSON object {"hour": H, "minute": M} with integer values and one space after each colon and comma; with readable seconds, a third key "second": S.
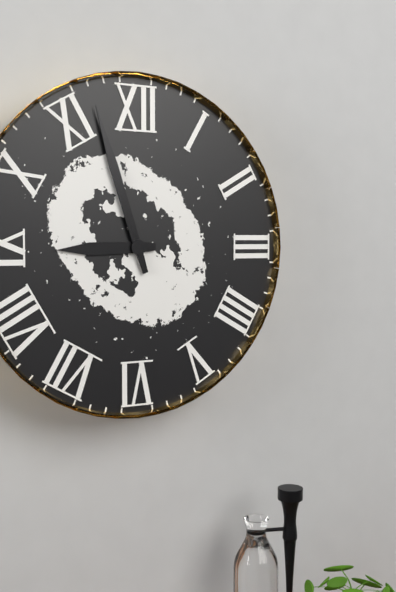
{"hour": 8, "minute": 57}
